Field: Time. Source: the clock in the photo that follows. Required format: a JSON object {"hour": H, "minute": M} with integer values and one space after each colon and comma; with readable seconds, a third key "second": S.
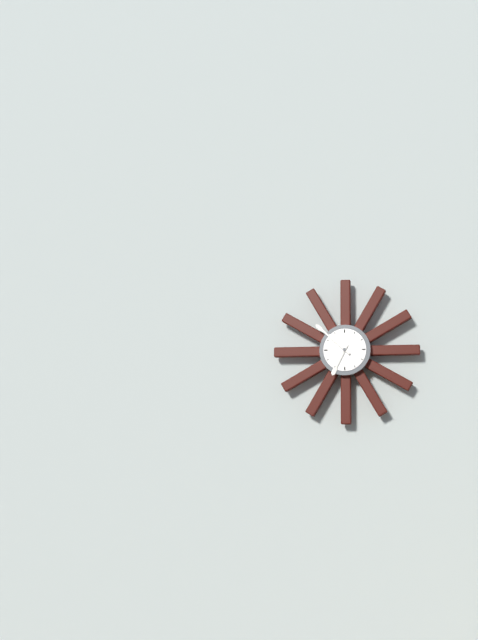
{"hour": 6, "minute": 52}
